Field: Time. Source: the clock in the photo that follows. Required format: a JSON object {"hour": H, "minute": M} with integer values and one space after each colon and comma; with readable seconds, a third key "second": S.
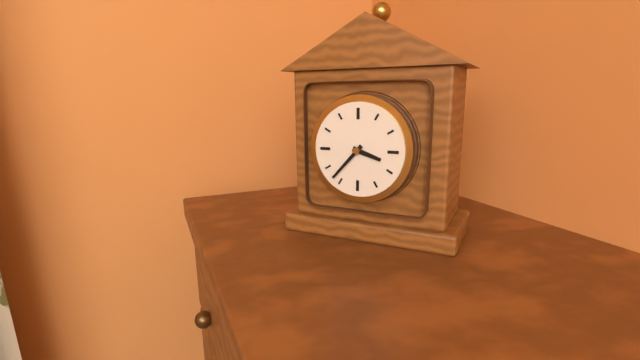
{"hour": 3, "minute": 37}
